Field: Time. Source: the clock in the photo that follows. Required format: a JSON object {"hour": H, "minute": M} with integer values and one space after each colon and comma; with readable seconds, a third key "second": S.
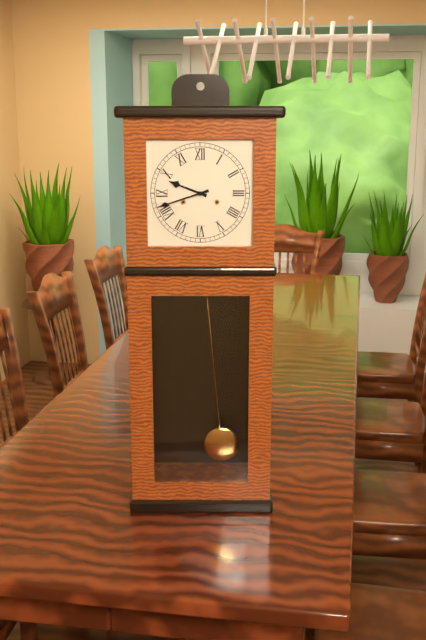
{"hour": 9, "minute": 42}
